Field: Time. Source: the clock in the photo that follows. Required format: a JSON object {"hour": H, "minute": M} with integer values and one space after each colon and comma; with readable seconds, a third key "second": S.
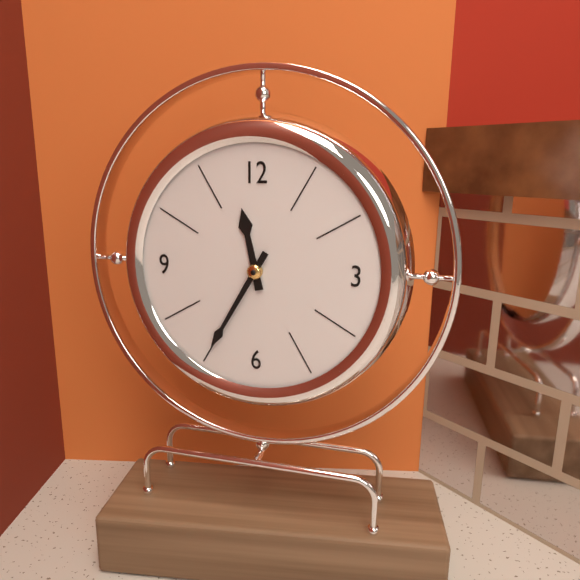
{"hour": 11, "minute": 35}
